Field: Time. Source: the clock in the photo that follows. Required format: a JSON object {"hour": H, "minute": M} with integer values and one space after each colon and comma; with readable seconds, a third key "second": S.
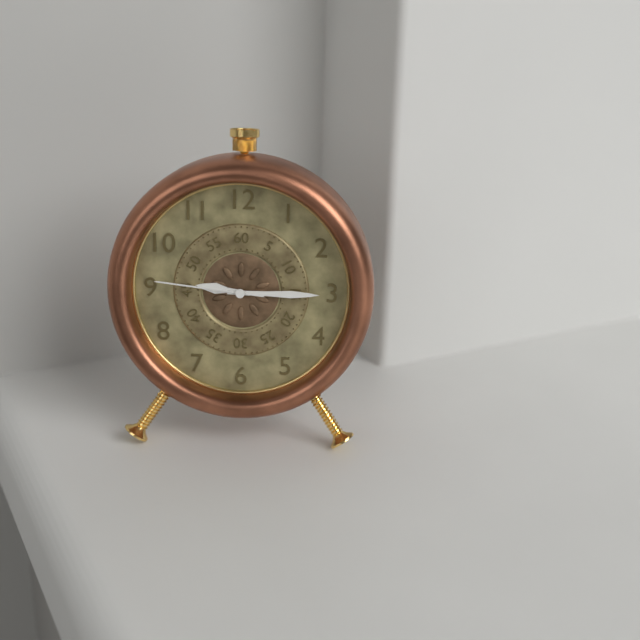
{"hour": 9, "minute": 15, "second": 46}
